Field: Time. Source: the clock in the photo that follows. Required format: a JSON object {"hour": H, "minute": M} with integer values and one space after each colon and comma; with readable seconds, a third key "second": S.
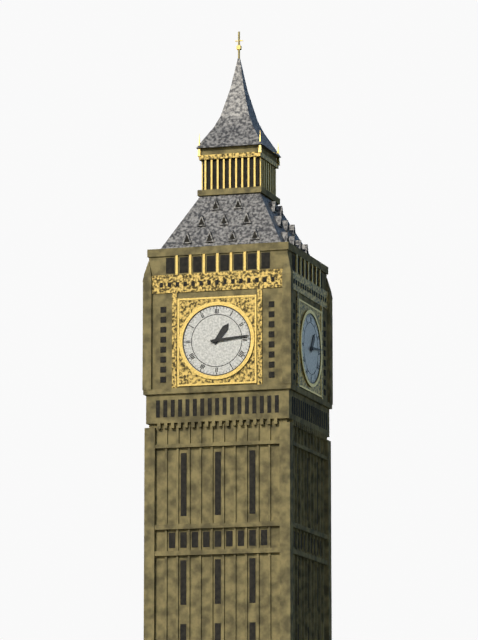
{"hour": 1, "minute": 14}
